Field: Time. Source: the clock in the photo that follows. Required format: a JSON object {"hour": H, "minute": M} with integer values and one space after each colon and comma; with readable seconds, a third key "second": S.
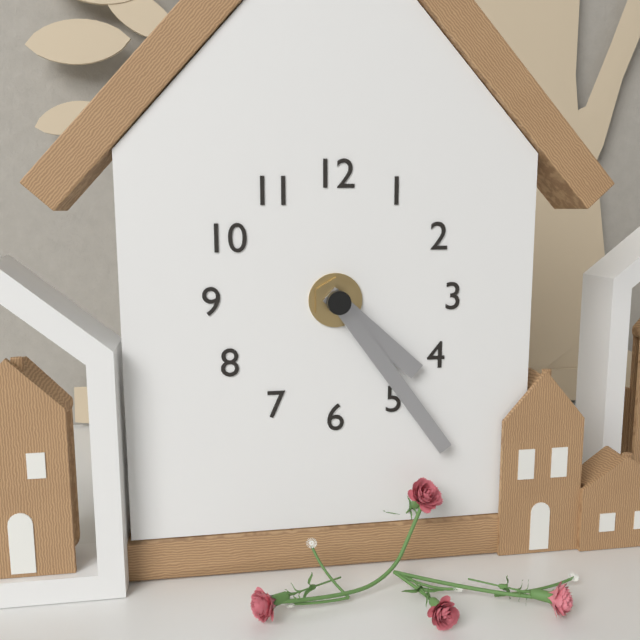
{"hour": 4, "minute": 24}
